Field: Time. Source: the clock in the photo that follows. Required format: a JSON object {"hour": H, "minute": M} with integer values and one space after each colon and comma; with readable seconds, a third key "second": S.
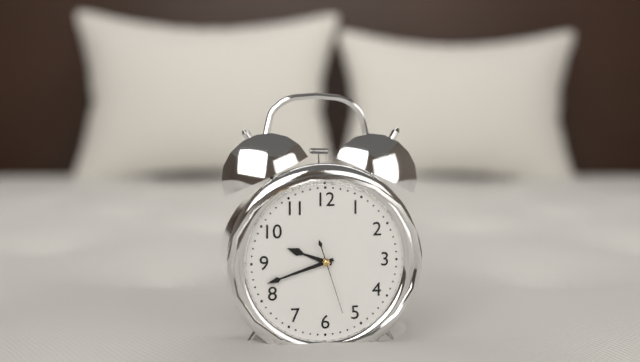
{"hour": 9, "minute": 42, "second": 27}
